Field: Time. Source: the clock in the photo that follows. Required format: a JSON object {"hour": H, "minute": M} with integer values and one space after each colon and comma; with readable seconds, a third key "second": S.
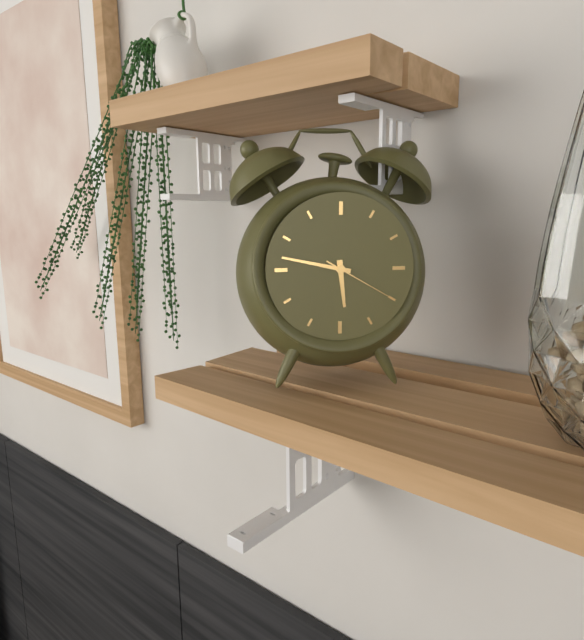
{"hour": 5, "minute": 47, "second": 20}
